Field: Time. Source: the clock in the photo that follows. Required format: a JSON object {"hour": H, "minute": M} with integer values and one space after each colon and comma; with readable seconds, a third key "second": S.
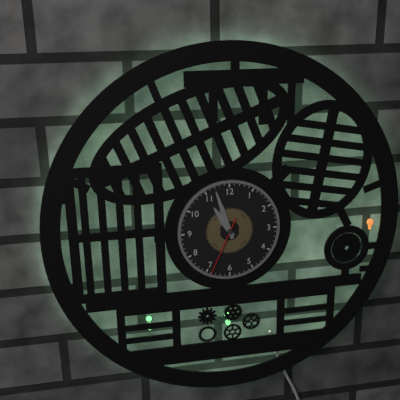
{"hour": 10, "minute": 57, "second": 34}
